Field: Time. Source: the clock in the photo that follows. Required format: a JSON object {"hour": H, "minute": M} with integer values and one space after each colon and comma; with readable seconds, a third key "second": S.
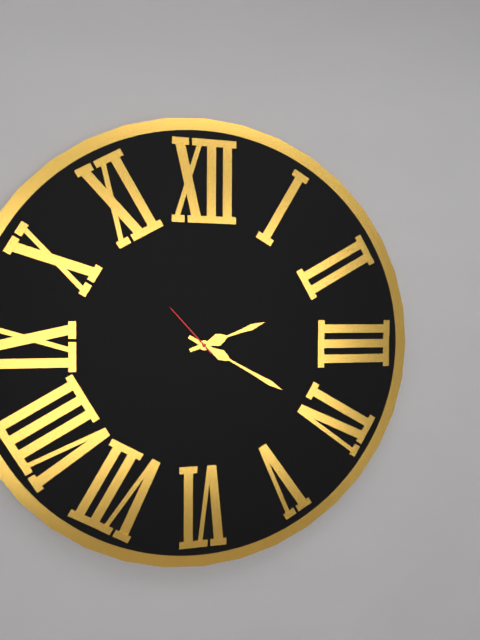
{"hour": 2, "minute": 20, "second": 53}
